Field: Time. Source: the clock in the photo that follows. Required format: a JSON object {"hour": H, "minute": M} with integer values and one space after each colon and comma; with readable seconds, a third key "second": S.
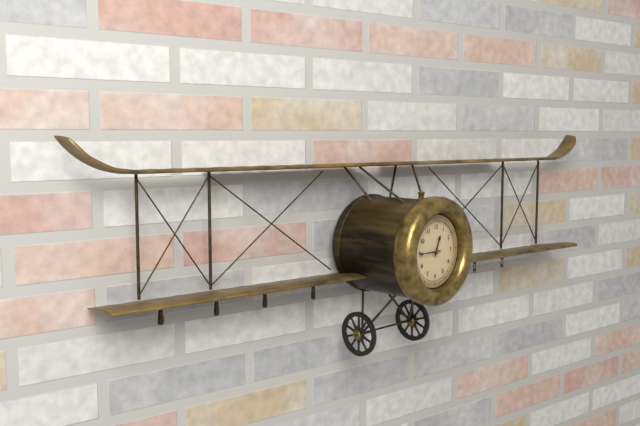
{"hour": 12, "minute": 45}
